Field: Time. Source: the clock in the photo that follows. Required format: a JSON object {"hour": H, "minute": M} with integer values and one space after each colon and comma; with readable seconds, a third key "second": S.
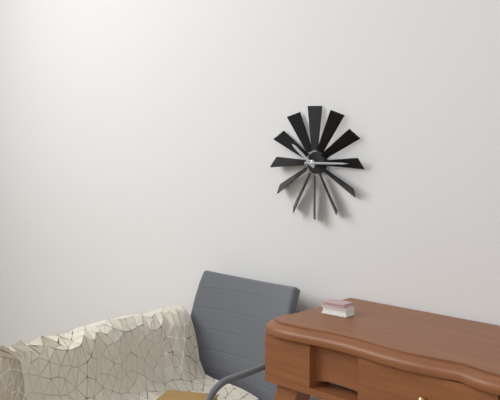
{"hour": 10, "minute": 15}
